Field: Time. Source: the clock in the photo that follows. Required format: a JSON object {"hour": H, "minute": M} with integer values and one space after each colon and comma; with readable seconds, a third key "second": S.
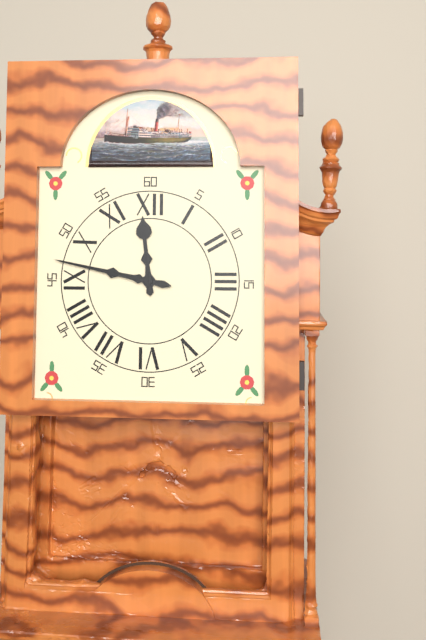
{"hour": 11, "minute": 47}
